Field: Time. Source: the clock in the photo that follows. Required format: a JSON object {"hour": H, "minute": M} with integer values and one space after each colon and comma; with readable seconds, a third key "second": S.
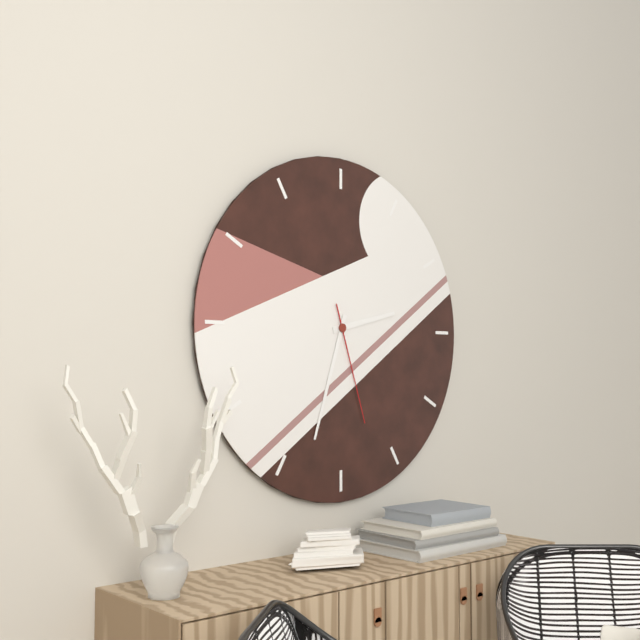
{"hour": 2, "minute": 33, "second": 27}
